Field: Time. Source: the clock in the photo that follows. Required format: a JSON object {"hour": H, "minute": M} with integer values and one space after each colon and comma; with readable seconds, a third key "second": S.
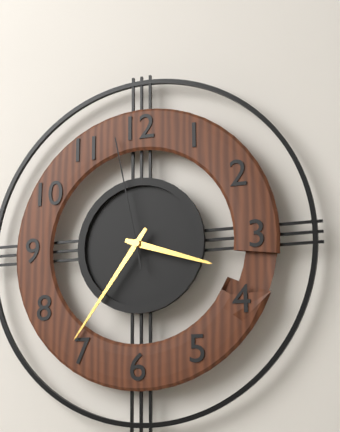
{"hour": 3, "minute": 36, "second": 58}
